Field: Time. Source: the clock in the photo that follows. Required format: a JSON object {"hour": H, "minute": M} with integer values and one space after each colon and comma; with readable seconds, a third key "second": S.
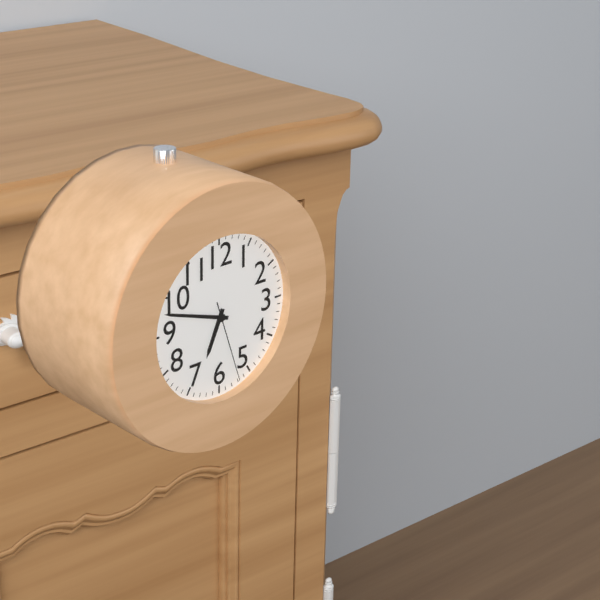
{"hour": 6, "minute": 48, "second": 27}
